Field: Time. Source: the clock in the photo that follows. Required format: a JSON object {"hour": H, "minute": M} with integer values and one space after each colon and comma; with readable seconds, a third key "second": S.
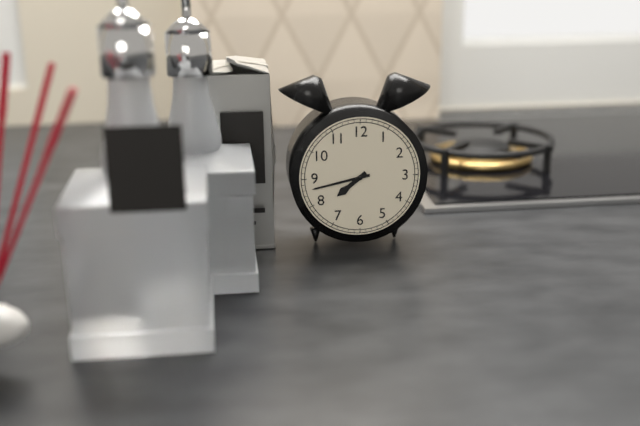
{"hour": 7, "minute": 43}
